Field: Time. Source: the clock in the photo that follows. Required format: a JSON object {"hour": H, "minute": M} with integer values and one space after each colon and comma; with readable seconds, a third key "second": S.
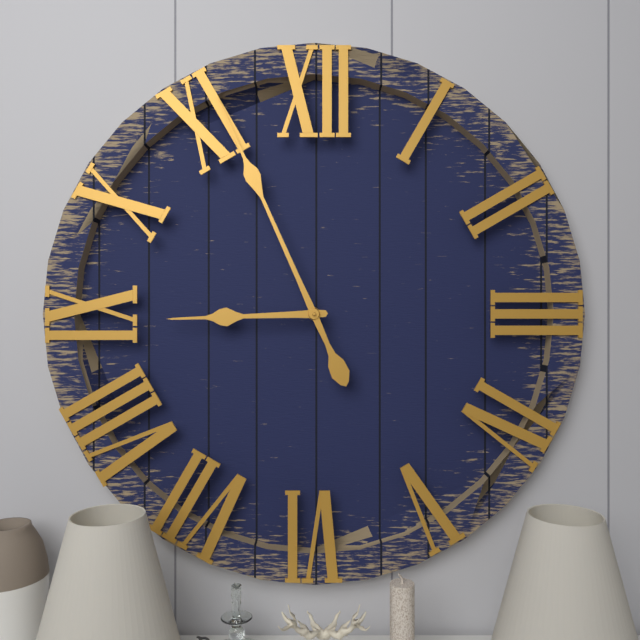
{"hour": 8, "minute": 56}
